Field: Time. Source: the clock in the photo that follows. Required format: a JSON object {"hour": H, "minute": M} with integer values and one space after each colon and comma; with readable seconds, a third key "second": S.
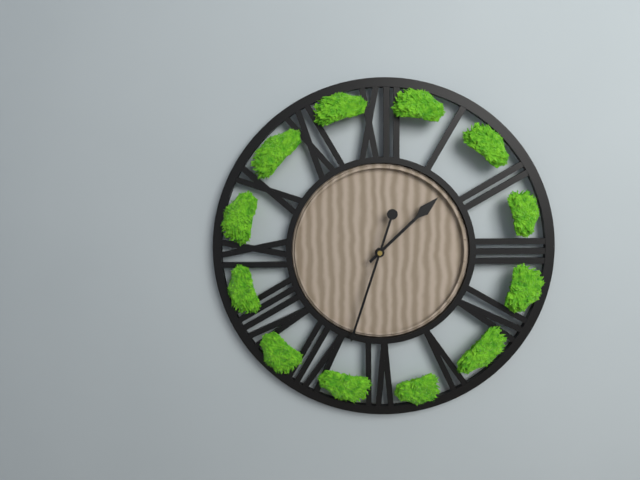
{"hour": 1, "minute": 33}
